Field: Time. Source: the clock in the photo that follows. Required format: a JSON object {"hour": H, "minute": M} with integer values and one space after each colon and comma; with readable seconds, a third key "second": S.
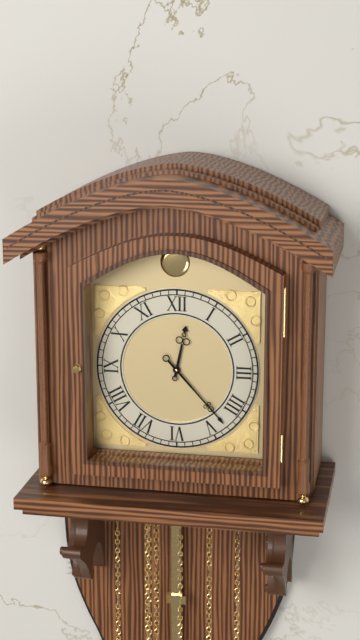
{"hour": 12, "minute": 23}
